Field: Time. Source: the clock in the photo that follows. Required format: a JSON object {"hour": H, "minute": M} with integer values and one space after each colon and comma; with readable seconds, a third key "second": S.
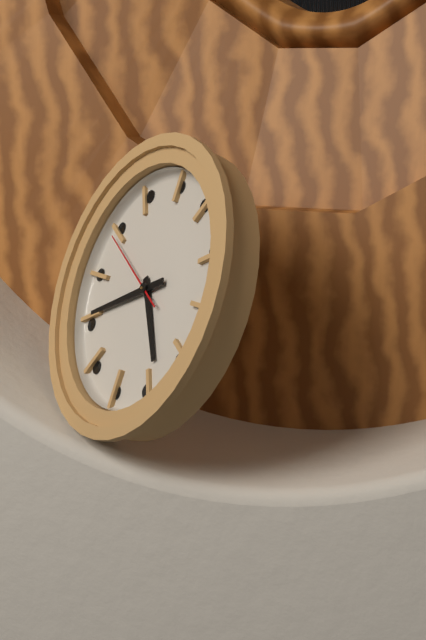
{"hour": 4, "minute": 41, "second": 49}
